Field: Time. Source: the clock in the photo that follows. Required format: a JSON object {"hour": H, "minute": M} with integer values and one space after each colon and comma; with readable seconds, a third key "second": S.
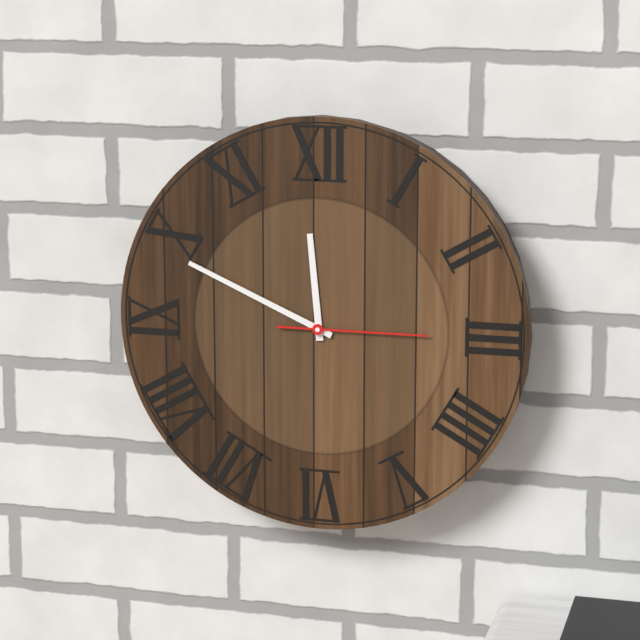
{"hour": 11, "minute": 49, "second": 15}
